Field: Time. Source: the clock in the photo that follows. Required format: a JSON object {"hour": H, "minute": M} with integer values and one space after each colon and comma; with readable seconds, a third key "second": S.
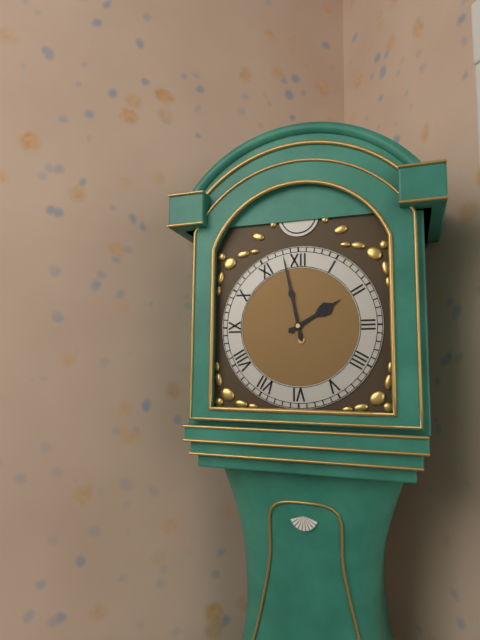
{"hour": 1, "minute": 58}
